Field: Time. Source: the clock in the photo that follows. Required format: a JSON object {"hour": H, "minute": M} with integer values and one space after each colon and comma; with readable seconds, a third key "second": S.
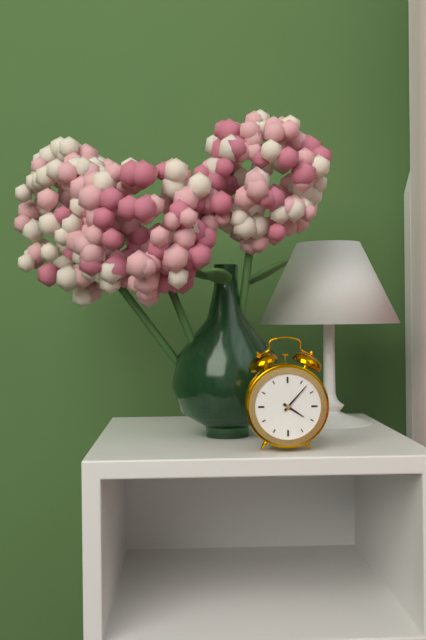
{"hour": 4, "minute": 7}
